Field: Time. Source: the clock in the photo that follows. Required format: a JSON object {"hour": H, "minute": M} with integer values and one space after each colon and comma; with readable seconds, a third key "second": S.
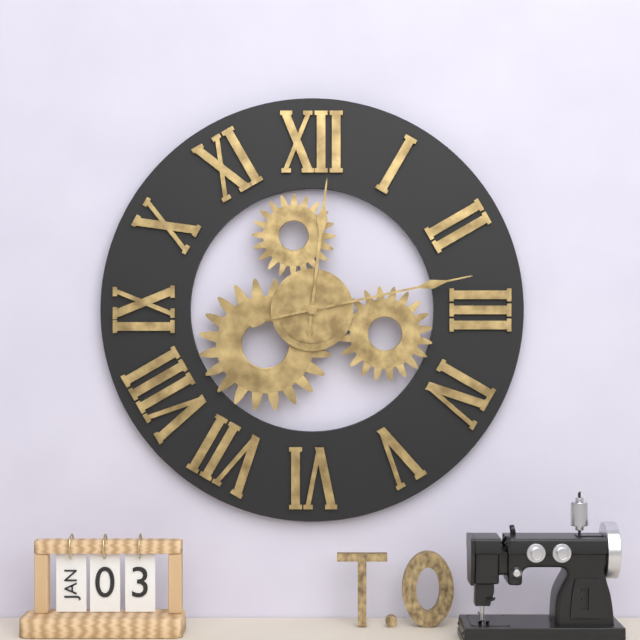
{"hour": 12, "minute": 13}
